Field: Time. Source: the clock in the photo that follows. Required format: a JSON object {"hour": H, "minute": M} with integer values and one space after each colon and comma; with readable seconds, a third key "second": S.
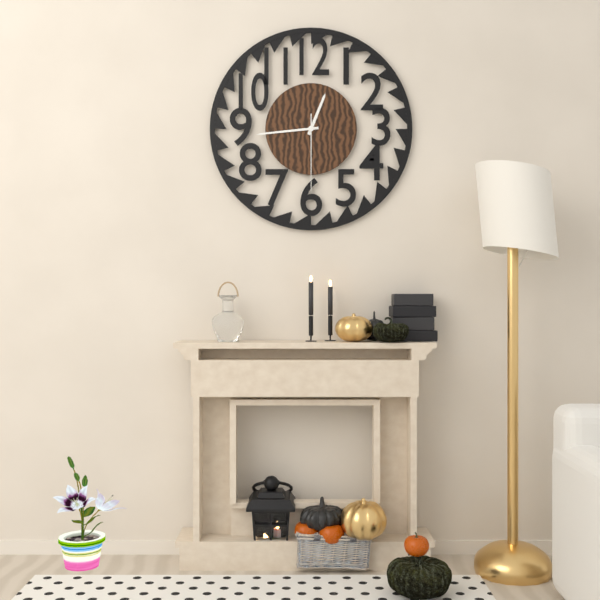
{"hour": 12, "minute": 44, "second": 30}
